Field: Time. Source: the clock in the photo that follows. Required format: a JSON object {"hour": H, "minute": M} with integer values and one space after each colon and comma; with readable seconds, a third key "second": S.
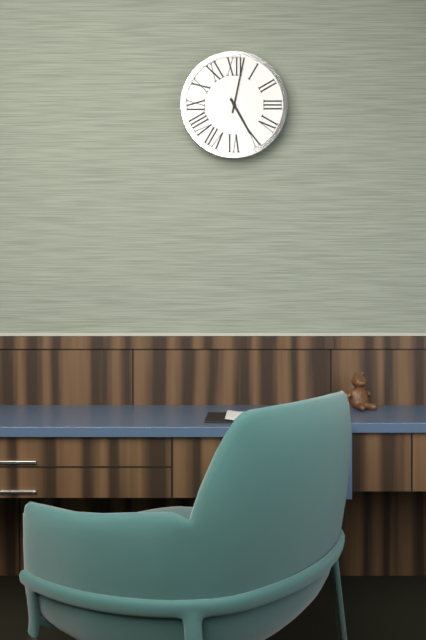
{"hour": 5, "minute": 2}
